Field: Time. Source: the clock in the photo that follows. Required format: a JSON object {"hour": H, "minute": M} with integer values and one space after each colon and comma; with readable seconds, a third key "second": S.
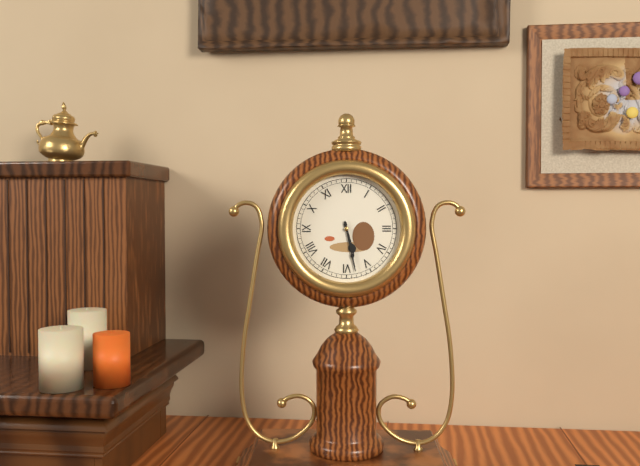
{"hour": 5, "minute": 28}
